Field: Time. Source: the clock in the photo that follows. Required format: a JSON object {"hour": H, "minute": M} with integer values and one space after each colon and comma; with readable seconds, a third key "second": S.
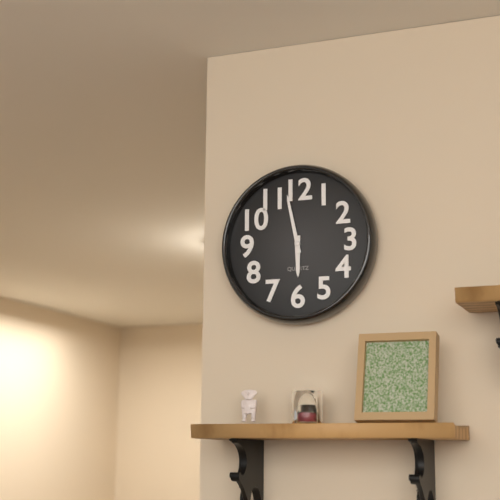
{"hour": 5, "minute": 58}
